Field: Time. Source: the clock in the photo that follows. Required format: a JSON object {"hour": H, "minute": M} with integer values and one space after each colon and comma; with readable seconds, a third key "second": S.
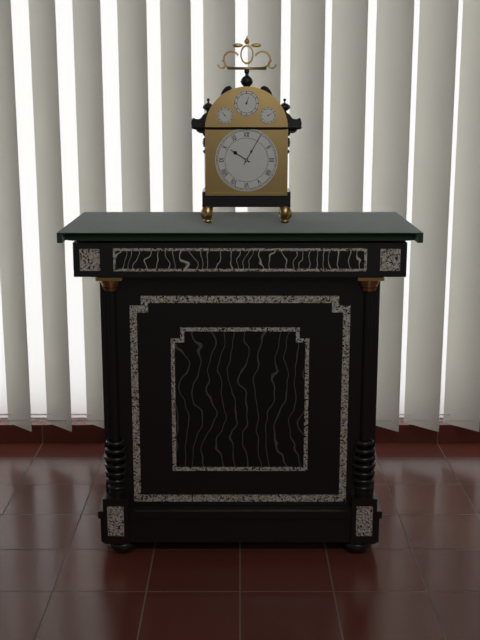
{"hour": 10, "minute": 5}
